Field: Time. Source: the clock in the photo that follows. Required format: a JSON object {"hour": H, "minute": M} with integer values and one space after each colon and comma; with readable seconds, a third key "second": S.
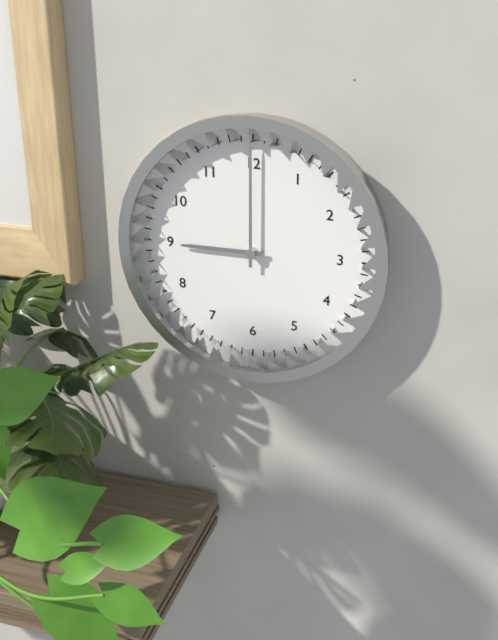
{"hour": 9, "minute": 0}
